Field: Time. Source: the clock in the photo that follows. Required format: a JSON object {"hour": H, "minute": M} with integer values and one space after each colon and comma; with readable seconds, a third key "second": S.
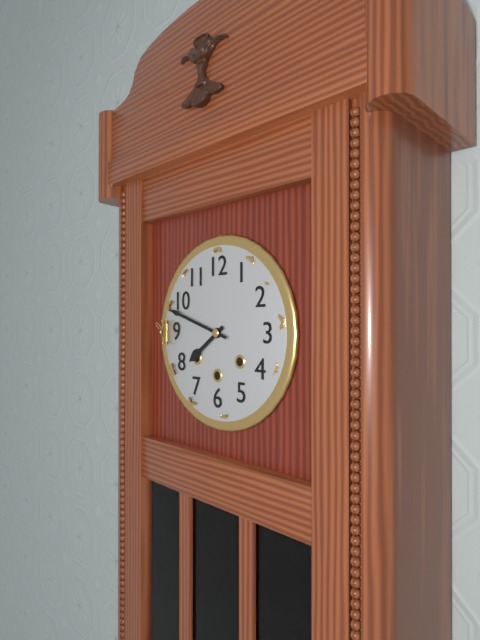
{"hour": 7, "minute": 48}
